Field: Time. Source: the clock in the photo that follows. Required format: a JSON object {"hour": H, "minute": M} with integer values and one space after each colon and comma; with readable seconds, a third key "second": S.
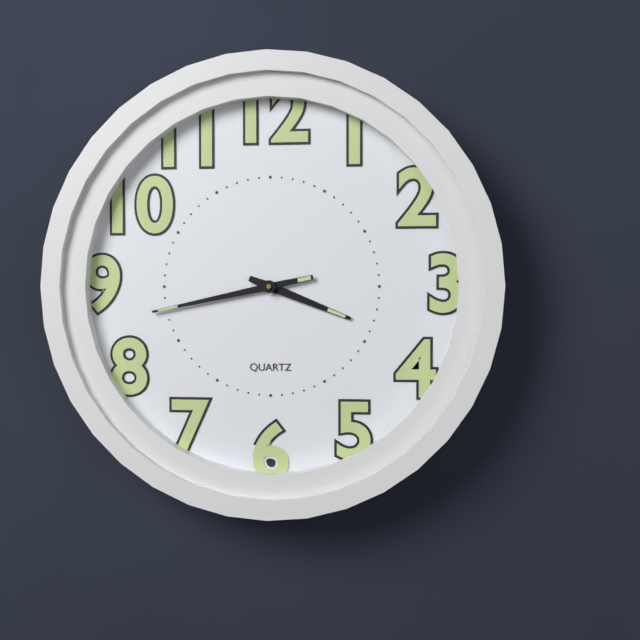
{"hour": 3, "minute": 43}
